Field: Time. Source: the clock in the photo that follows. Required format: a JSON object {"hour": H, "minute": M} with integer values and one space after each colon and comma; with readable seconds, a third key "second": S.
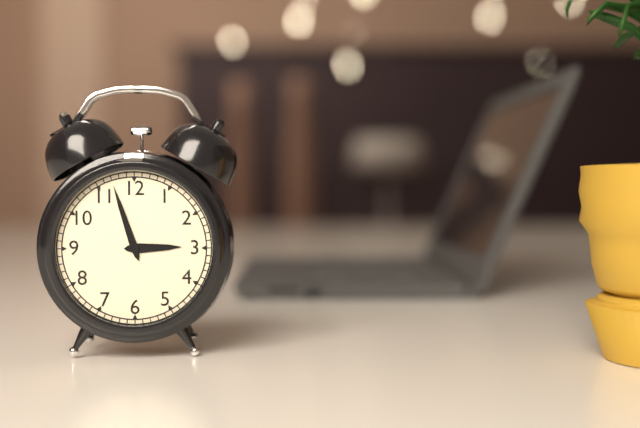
{"hour": 2, "minute": 57}
